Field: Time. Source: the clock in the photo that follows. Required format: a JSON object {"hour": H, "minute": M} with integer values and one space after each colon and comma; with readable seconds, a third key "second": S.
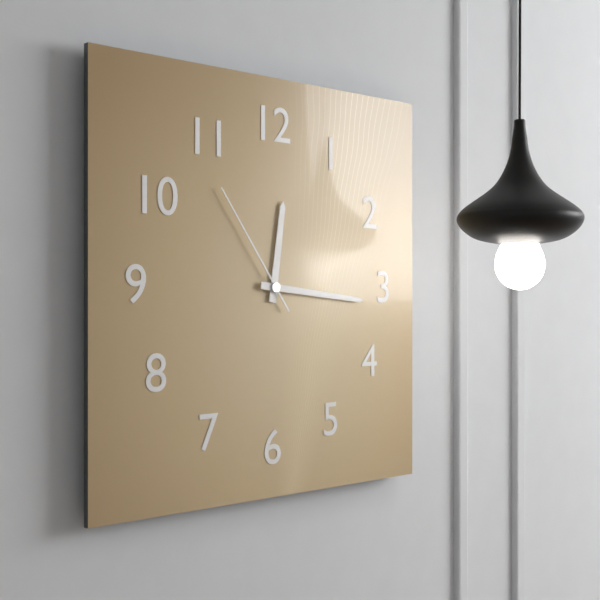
{"hour": 12, "minute": 16, "second": 54}
